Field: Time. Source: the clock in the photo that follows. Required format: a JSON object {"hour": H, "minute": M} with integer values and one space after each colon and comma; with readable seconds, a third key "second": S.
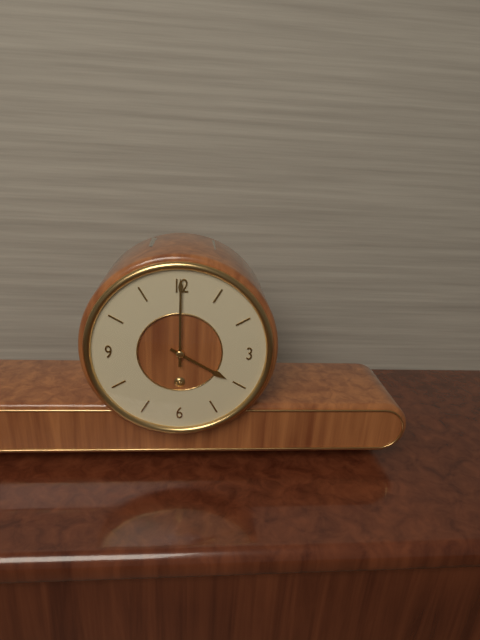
{"hour": 4, "minute": 0}
